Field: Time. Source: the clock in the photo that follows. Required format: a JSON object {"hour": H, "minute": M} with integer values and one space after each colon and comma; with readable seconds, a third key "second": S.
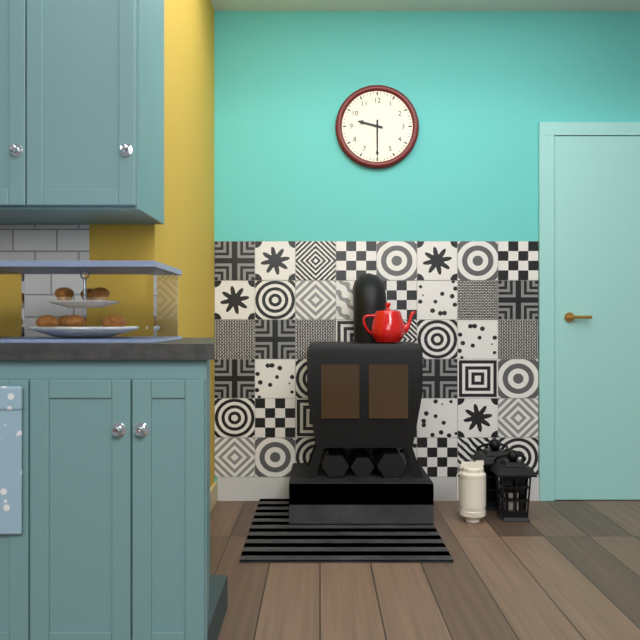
{"hour": 9, "minute": 30}
